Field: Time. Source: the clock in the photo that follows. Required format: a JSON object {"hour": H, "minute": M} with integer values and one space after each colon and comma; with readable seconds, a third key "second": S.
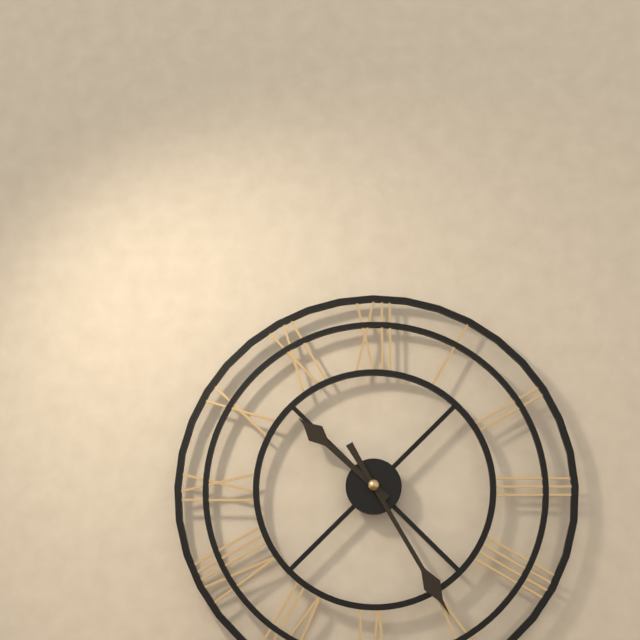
{"hour": 10, "minute": 25}
